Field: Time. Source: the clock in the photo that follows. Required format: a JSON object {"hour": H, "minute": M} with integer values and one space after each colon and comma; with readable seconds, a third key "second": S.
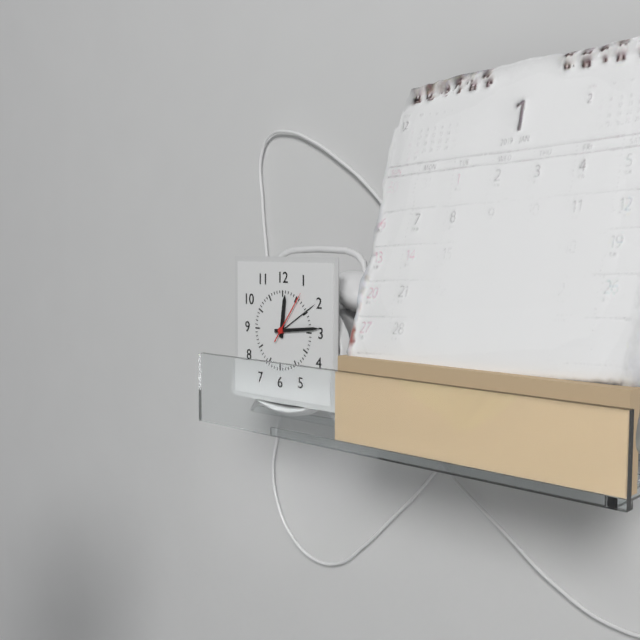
{"hour": 12, "minute": 14, "second": 6}
